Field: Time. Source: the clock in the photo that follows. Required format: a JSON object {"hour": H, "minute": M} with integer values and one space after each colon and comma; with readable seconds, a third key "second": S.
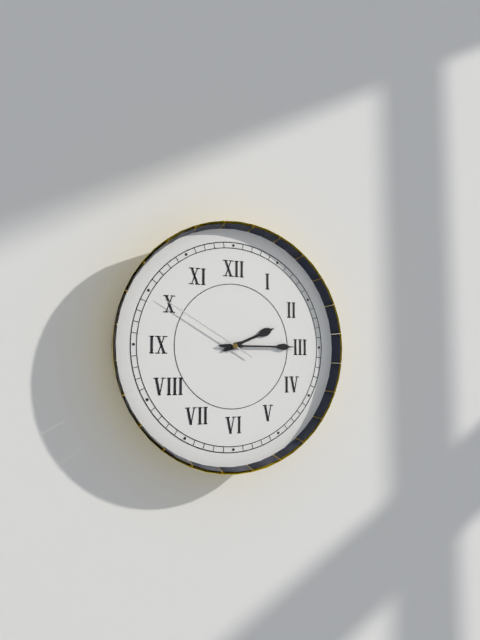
{"hour": 2, "minute": 15, "second": 50}
